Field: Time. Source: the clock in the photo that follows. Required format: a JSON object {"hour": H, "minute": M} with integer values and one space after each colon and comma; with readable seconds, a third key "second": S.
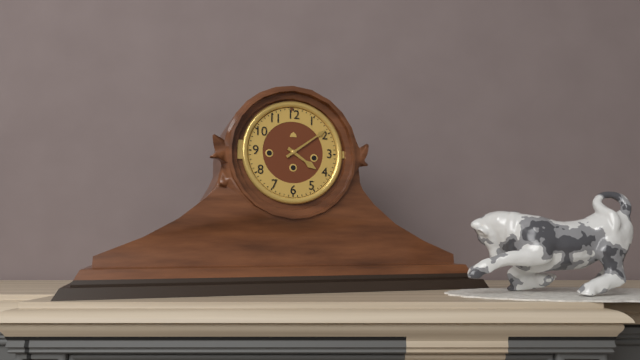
{"hour": 4, "minute": 9}
